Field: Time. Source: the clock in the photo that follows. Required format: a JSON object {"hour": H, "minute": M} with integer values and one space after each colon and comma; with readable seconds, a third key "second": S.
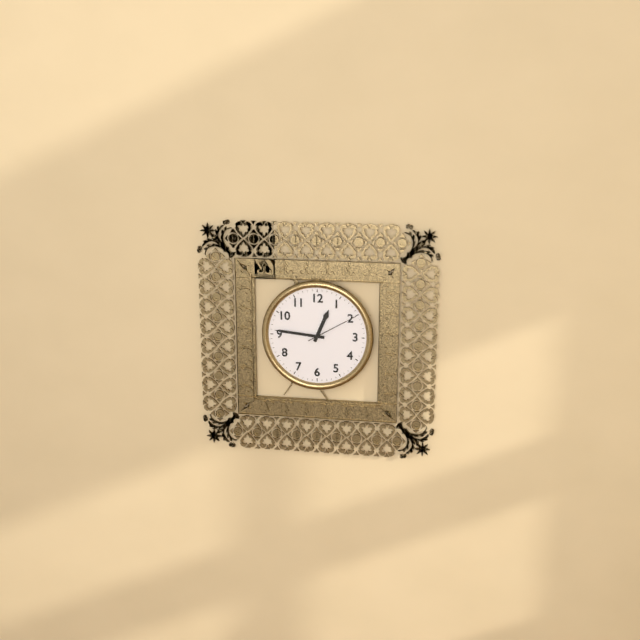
{"hour": 12, "minute": 46, "second": 10}
